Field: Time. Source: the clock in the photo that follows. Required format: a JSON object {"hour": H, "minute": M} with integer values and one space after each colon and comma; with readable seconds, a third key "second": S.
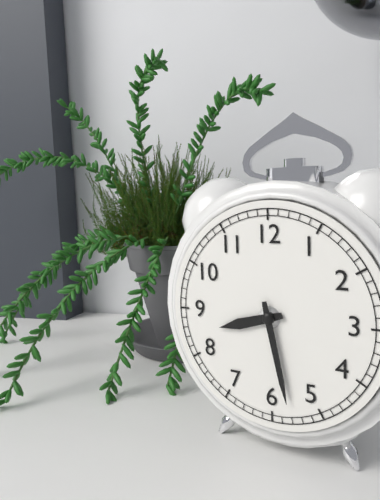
{"hour": 8, "minute": 28}
